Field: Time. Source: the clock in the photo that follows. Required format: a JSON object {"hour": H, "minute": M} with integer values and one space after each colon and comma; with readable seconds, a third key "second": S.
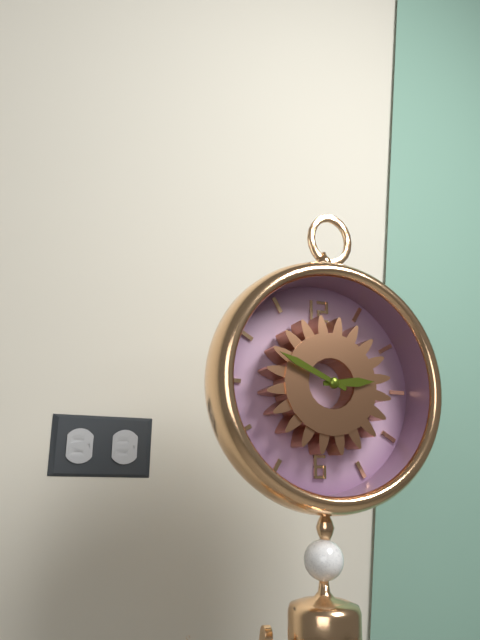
{"hour": 2, "minute": 49}
